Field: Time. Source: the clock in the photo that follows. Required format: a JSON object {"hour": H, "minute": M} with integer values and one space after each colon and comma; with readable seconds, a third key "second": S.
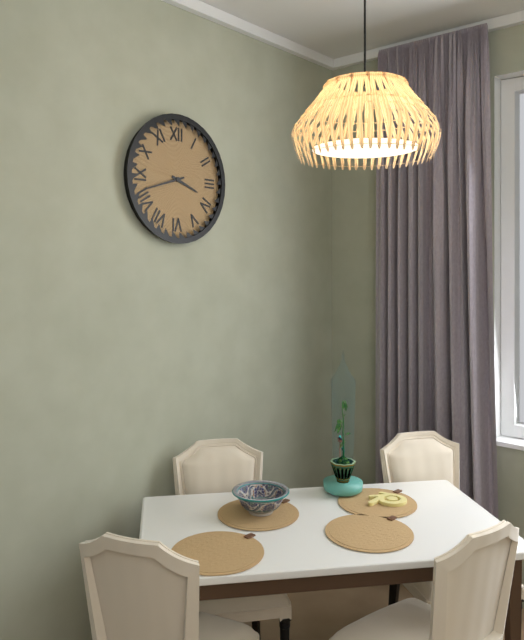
{"hour": 3, "minute": 42}
